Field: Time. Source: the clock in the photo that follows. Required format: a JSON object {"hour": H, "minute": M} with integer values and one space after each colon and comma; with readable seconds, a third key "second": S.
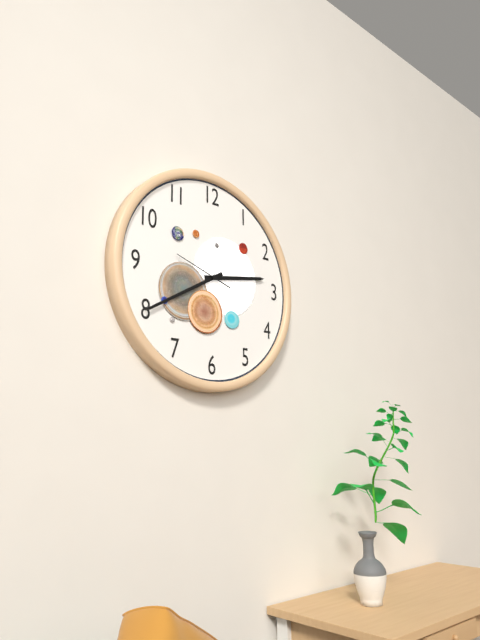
{"hour": 2, "minute": 40, "second": 48}
